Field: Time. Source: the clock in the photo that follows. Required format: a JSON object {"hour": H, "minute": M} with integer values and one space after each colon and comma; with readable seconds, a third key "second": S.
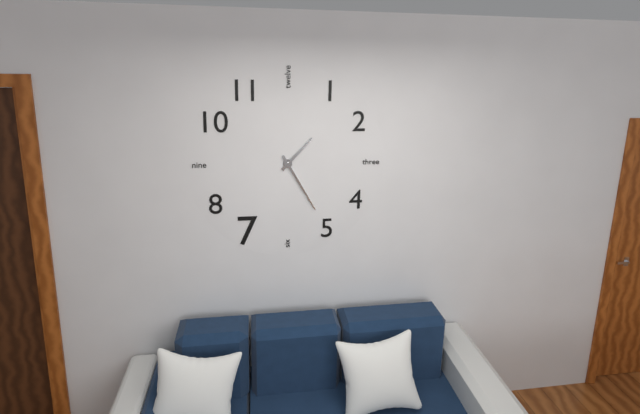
{"hour": 1, "minute": 25}
